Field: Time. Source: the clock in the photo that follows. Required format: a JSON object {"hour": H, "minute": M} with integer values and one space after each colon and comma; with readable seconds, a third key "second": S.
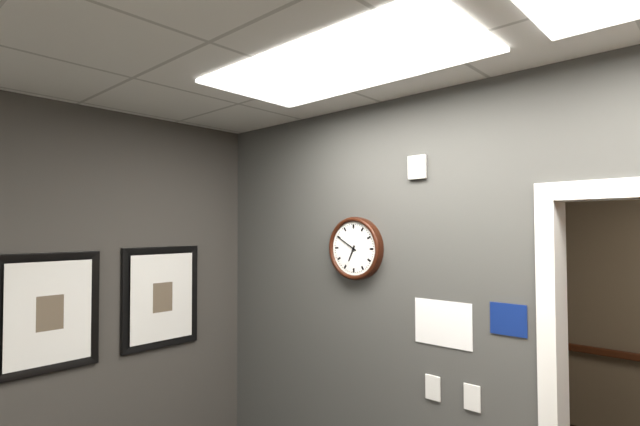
{"hour": 6, "minute": 50}
